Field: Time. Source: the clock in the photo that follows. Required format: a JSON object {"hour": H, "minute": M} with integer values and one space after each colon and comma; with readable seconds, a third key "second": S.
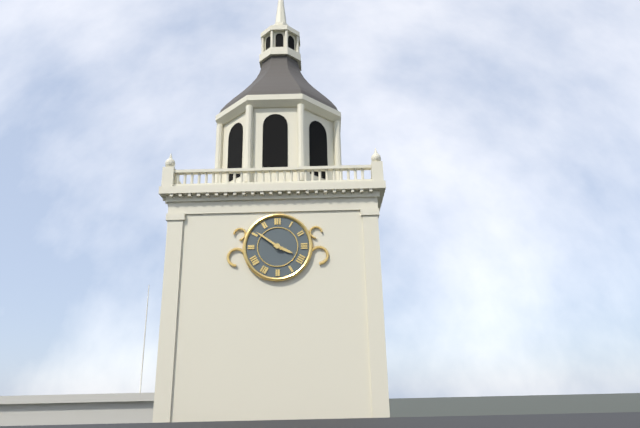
{"hour": 3, "minute": 51}
